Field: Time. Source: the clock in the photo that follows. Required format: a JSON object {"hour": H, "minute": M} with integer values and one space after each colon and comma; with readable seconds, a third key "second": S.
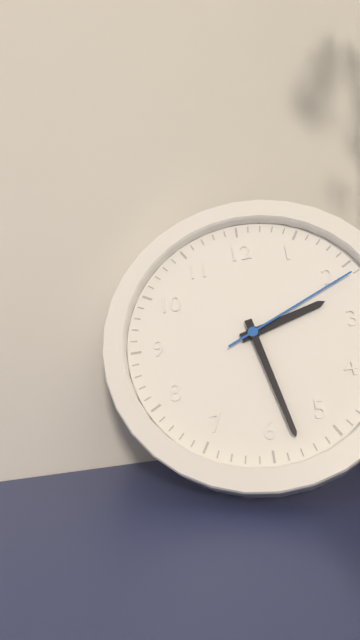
{"hour": 2, "minute": 28, "second": 11}
